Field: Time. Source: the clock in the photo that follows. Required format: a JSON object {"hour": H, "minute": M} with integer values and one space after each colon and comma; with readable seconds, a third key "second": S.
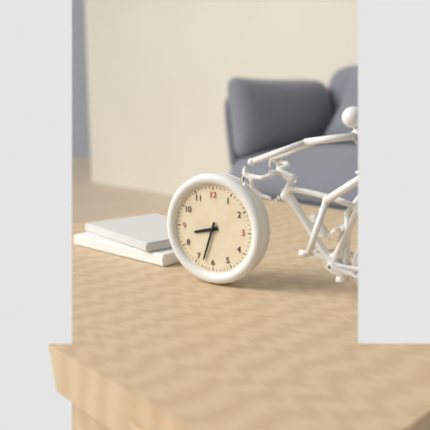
{"hour": 8, "minute": 33}
